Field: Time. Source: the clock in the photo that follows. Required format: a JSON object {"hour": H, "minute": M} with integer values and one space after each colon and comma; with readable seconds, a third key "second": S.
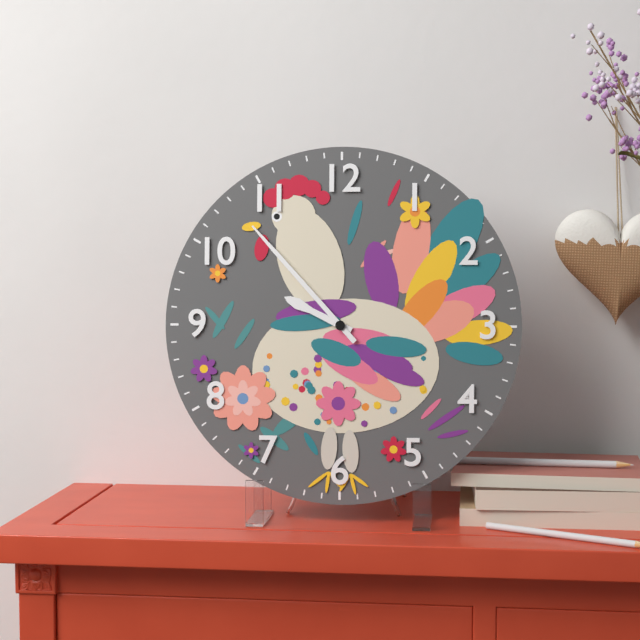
{"hour": 9, "minute": 53}
